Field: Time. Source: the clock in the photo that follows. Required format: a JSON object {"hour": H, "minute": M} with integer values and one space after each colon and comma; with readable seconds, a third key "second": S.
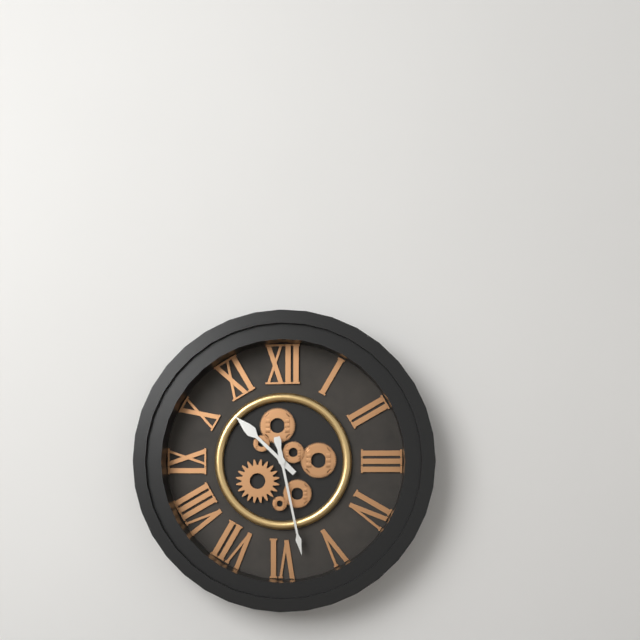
{"hour": 10, "minute": 28}
